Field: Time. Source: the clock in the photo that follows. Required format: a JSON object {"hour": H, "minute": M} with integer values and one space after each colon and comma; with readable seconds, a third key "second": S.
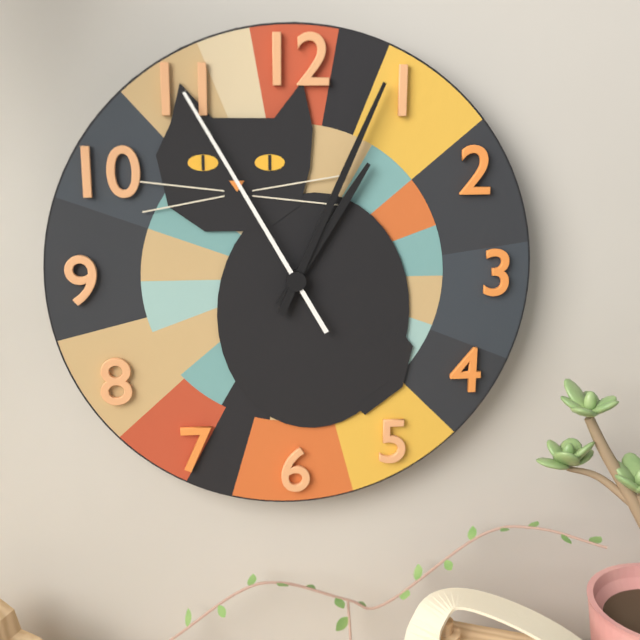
{"hour": 1, "minute": 4, "second": 55}
